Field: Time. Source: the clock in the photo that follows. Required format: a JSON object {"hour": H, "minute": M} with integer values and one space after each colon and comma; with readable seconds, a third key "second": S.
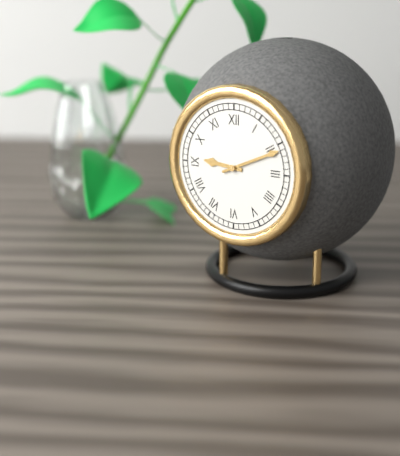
{"hour": 9, "minute": 11}
